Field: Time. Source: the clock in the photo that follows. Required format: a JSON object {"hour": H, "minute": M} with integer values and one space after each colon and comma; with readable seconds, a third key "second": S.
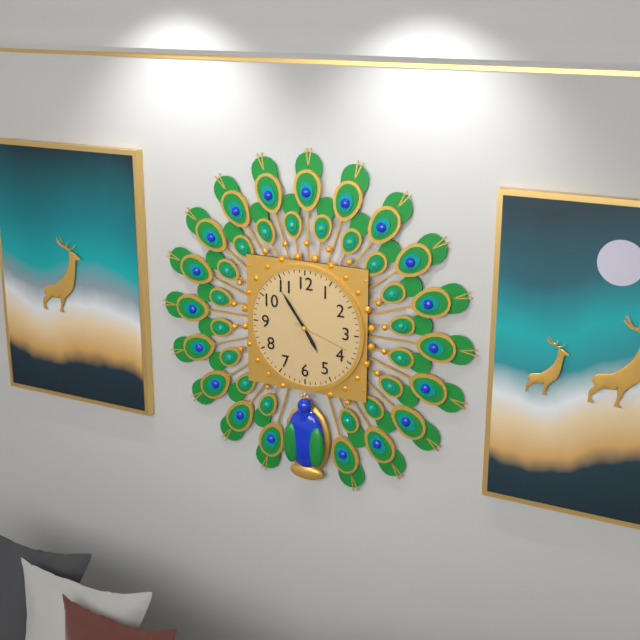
{"hour": 4, "minute": 54, "second": 18}
